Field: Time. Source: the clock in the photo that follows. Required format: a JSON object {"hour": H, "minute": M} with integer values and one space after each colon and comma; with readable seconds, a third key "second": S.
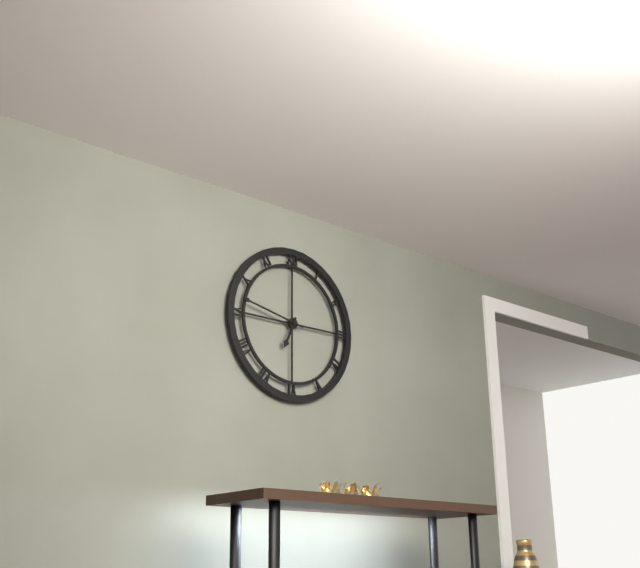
{"hour": 6, "minute": 47}
